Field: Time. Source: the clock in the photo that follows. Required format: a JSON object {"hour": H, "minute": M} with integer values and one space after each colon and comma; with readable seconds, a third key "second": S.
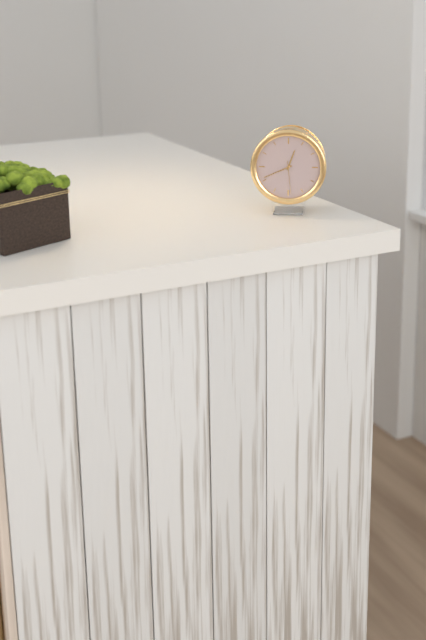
{"hour": 12, "minute": 41}
